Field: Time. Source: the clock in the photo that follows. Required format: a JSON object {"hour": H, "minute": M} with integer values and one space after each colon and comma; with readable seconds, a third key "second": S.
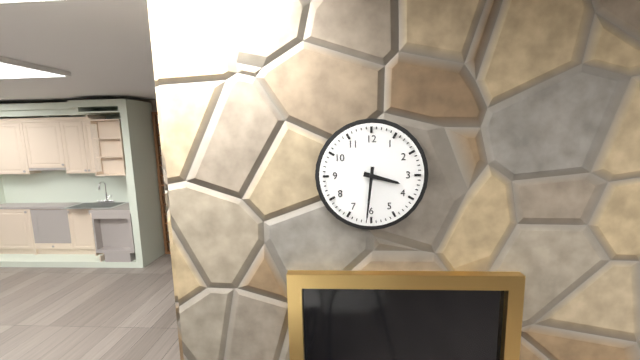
{"hour": 3, "minute": 31}
